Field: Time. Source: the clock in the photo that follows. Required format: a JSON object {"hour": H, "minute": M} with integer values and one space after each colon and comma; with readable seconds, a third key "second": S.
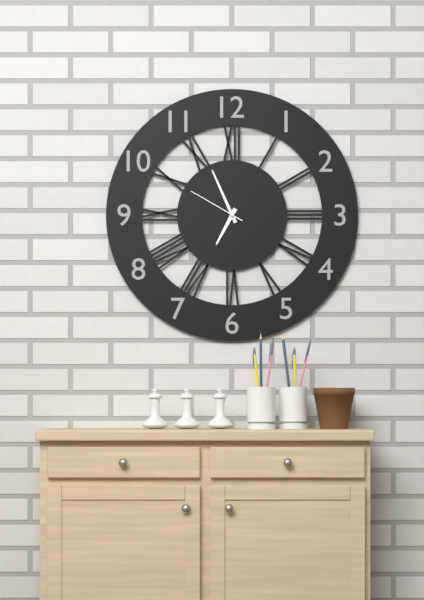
{"hour": 6, "minute": 56, "second": 50}
